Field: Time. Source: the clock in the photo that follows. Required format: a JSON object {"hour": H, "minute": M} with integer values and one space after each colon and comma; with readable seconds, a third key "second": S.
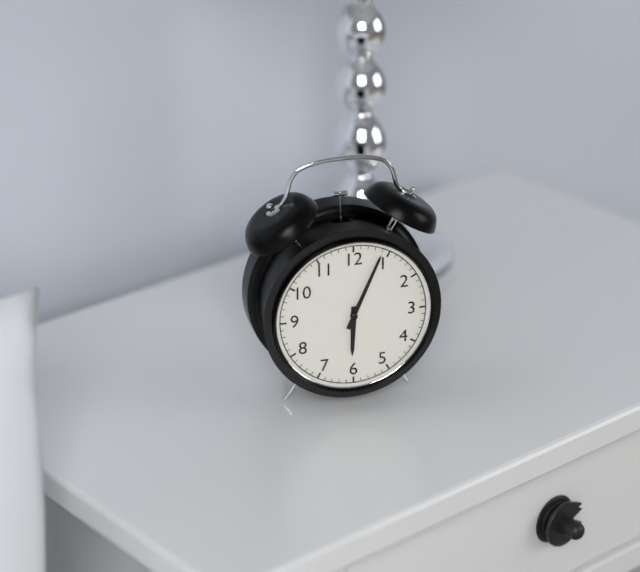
{"hour": 6, "minute": 4}
